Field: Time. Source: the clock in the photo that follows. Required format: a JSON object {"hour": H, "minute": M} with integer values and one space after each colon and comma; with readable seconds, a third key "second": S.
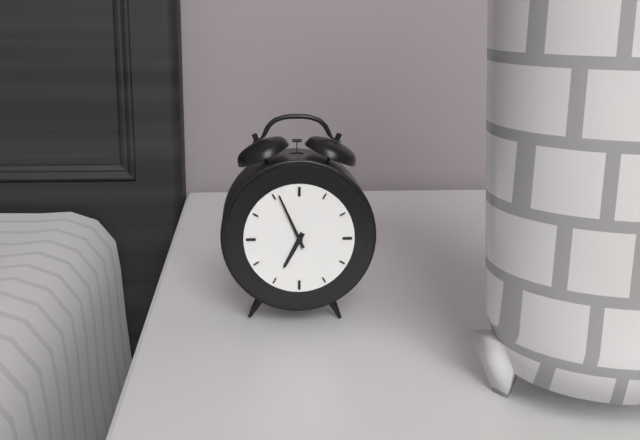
{"hour": 6, "minute": 56}
